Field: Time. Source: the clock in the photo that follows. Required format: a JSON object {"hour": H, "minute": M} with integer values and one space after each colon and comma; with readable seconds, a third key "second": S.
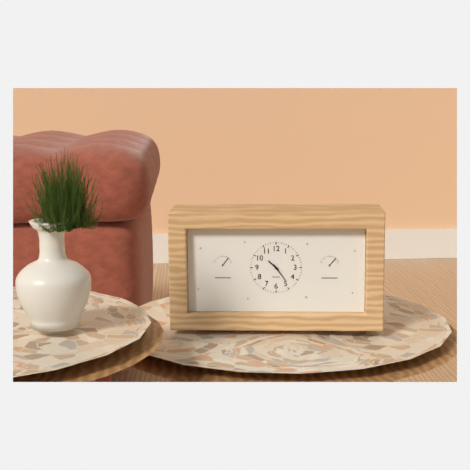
{"hour": 10, "minute": 24}
